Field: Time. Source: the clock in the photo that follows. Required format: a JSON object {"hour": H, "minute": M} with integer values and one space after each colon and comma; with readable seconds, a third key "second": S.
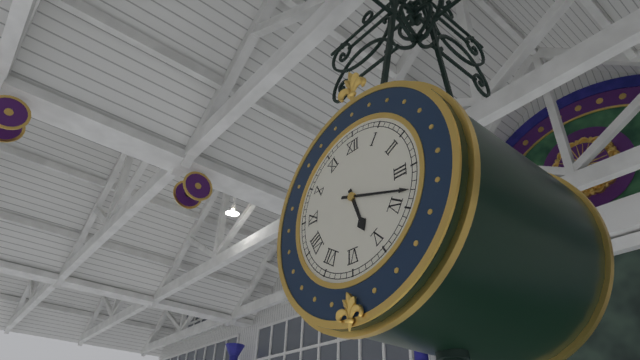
{"hour": 5, "minute": 18}
